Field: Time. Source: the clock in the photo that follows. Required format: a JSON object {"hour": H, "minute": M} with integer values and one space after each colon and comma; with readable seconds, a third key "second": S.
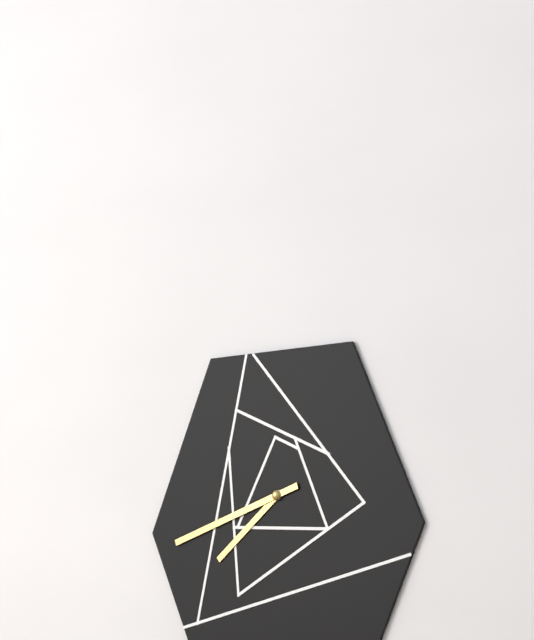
{"hour": 7, "minute": 42}
